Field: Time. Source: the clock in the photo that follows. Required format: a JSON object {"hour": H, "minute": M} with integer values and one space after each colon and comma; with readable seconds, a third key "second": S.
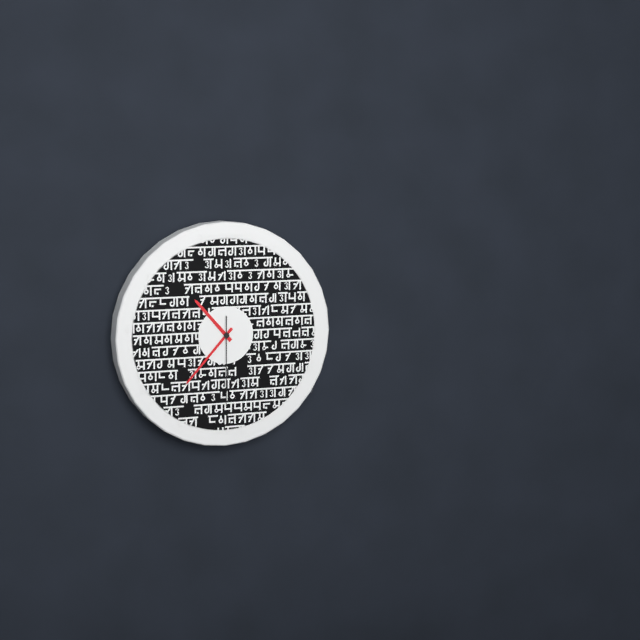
{"hour": 10, "minute": 37, "second": 30}
